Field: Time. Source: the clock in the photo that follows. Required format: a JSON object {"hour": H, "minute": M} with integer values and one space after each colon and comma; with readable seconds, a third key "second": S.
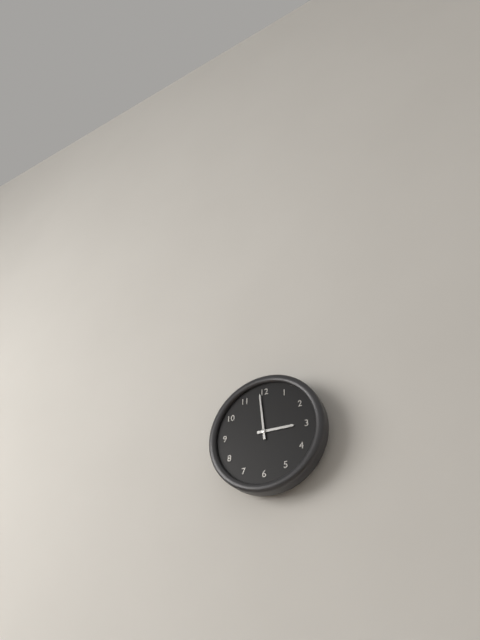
{"hour": 2, "minute": 59}
